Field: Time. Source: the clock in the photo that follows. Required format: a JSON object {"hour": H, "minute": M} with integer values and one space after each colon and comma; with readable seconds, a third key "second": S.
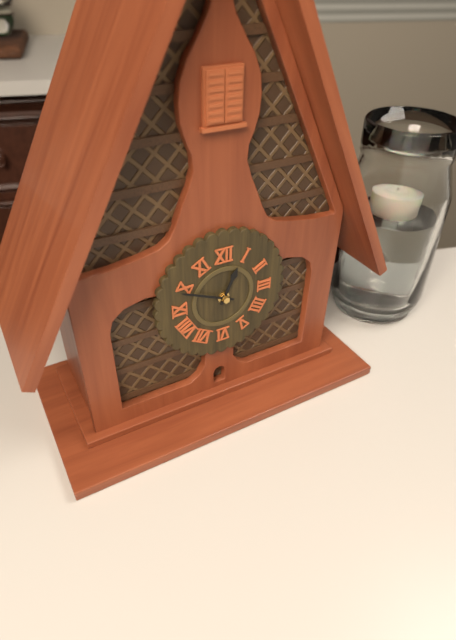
{"hour": 12, "minute": 49}
